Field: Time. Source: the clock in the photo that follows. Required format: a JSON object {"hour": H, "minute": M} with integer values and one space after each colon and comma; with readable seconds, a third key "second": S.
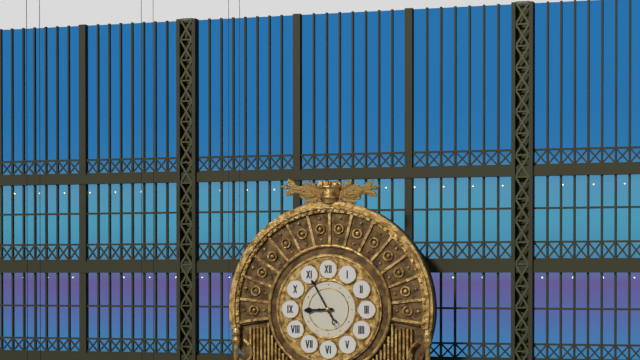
{"hour": 8, "minute": 55}
